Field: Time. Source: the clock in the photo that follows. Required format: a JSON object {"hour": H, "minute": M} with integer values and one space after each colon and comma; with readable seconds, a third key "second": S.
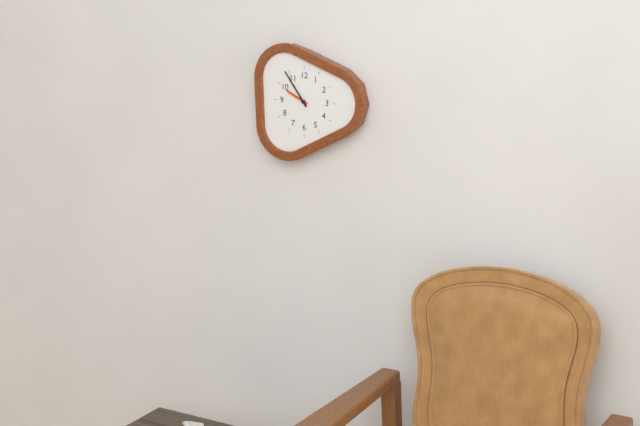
{"hour": 9, "minute": 54}
